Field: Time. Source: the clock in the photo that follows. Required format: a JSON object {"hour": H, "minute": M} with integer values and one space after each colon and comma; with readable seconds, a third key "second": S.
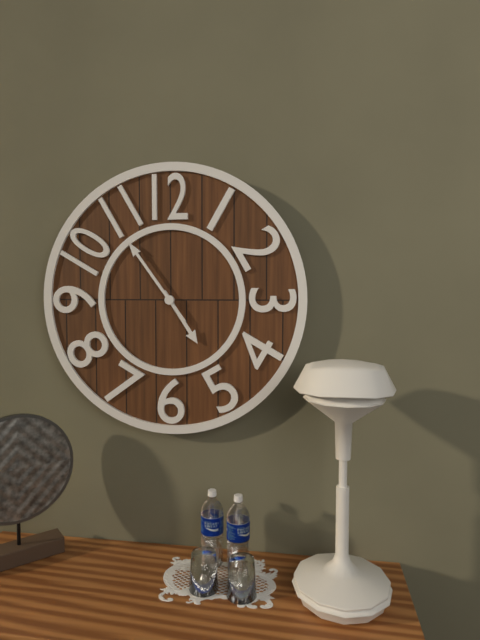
{"hour": 4, "minute": 54}
